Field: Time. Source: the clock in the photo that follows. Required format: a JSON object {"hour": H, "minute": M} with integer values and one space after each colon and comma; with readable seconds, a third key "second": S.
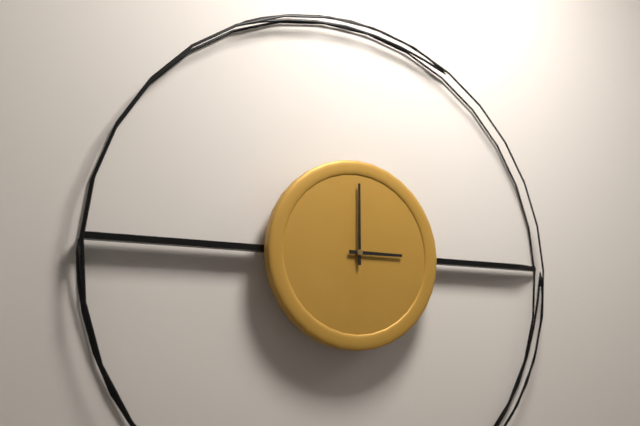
{"hour": 3, "minute": 0}
